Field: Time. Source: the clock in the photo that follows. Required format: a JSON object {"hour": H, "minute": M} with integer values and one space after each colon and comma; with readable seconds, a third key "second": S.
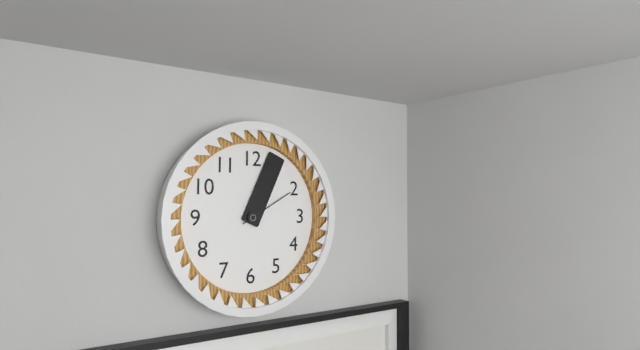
{"hour": 1, "minute": 4, "second": 10}
